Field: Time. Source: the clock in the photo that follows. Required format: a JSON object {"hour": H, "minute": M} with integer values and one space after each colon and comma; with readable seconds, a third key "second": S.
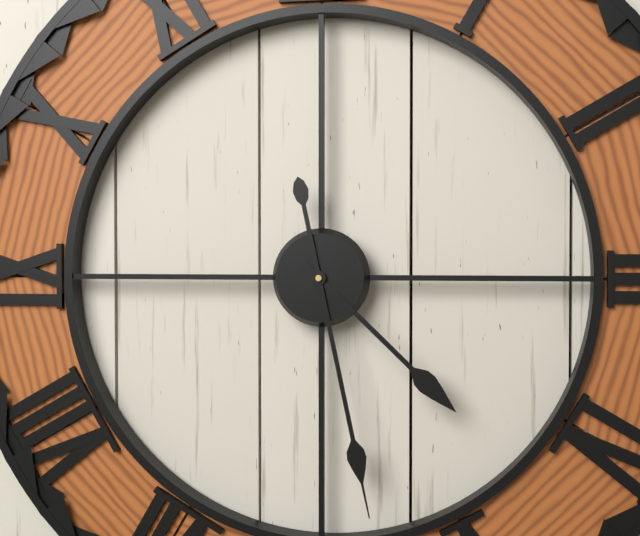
{"hour": 4, "minute": 28}
